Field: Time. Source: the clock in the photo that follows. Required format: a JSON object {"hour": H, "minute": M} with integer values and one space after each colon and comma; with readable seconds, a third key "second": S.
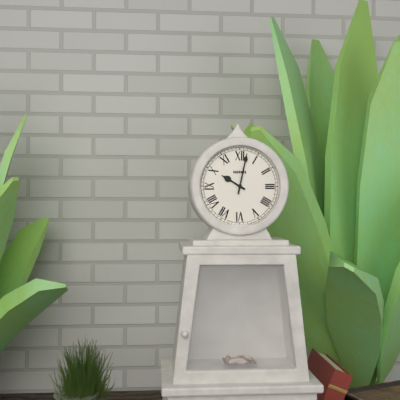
{"hour": 10, "minute": 2}
